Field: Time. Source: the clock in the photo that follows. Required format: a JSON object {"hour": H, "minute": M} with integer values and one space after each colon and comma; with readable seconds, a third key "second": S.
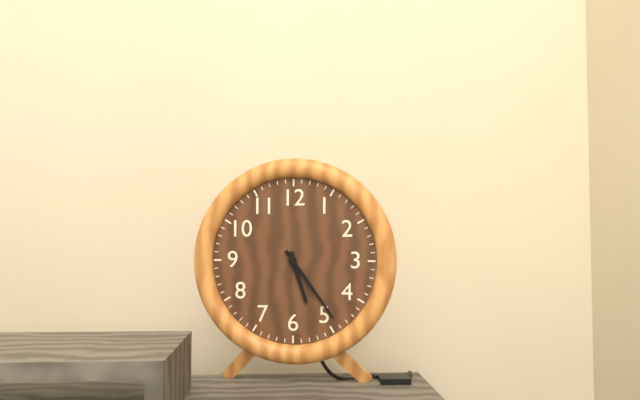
{"hour": 5, "minute": 24}
